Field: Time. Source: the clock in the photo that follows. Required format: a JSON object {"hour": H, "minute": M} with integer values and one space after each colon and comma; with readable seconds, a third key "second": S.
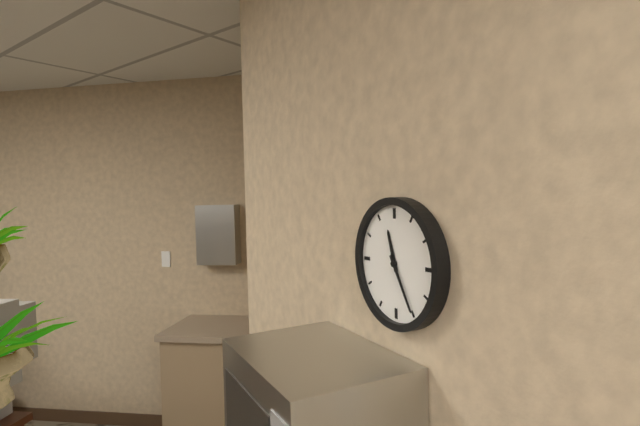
{"hour": 11, "minute": 25}
